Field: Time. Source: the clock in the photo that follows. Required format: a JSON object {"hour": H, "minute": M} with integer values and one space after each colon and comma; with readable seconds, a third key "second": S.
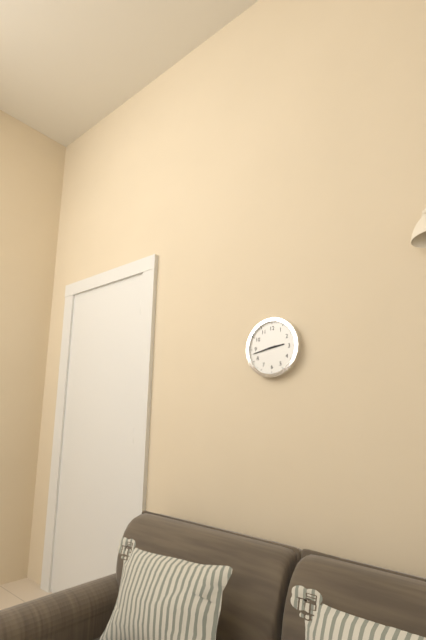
{"hour": 2, "minute": 43}
